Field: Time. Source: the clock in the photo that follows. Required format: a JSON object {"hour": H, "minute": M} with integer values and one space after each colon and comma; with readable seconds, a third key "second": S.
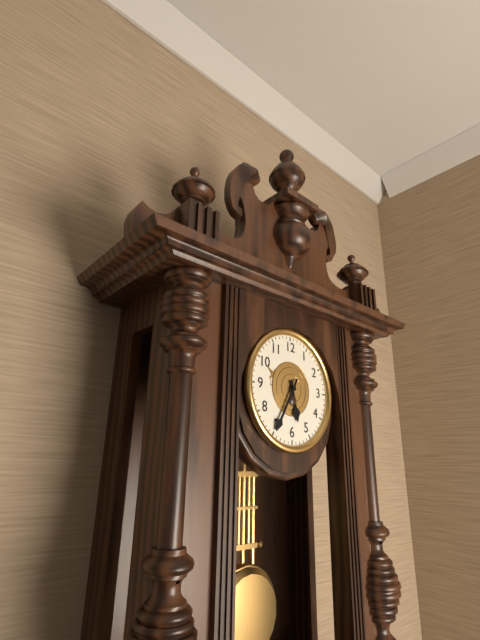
{"hour": 5, "minute": 35}
